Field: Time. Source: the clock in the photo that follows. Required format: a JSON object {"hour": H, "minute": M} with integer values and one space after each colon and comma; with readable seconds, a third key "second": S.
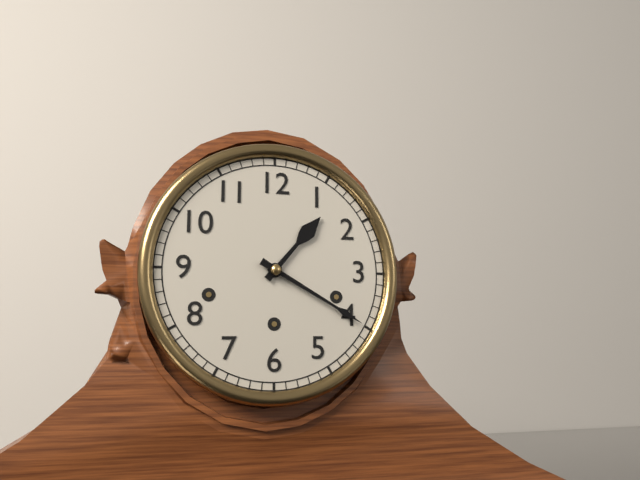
{"hour": 1, "minute": 20}
